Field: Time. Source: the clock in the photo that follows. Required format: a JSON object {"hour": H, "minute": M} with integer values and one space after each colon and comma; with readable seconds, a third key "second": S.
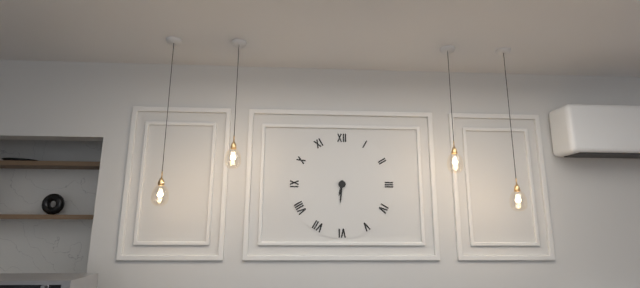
{"hour": 6, "minute": 31}
